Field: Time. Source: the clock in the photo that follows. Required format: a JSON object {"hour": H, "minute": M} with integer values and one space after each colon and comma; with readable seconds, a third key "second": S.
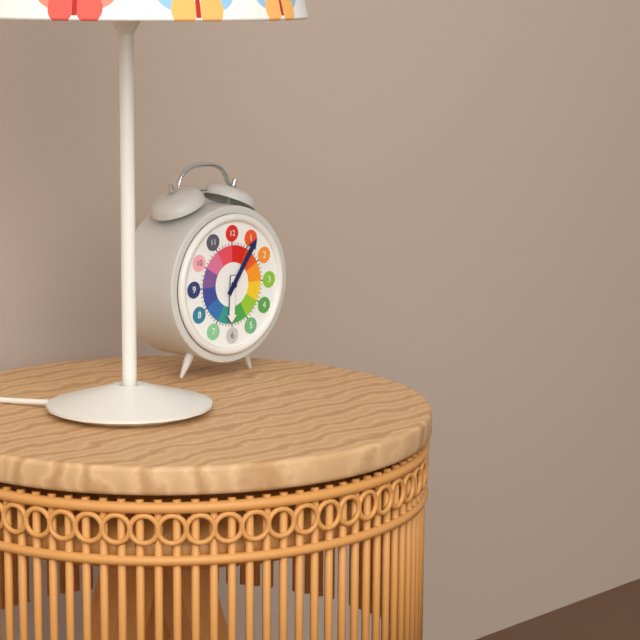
{"hour": 6, "minute": 6}
